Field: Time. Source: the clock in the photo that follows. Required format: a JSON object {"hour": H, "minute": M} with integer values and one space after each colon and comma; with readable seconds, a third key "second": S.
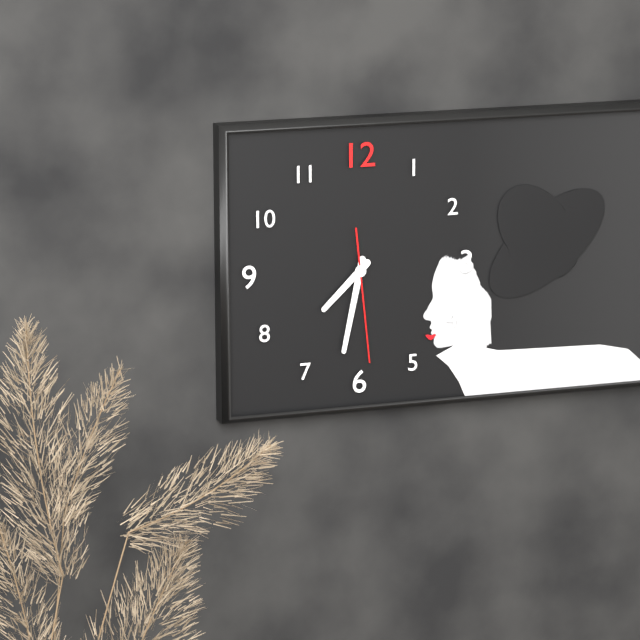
{"hour": 7, "minute": 32, "second": 29}
